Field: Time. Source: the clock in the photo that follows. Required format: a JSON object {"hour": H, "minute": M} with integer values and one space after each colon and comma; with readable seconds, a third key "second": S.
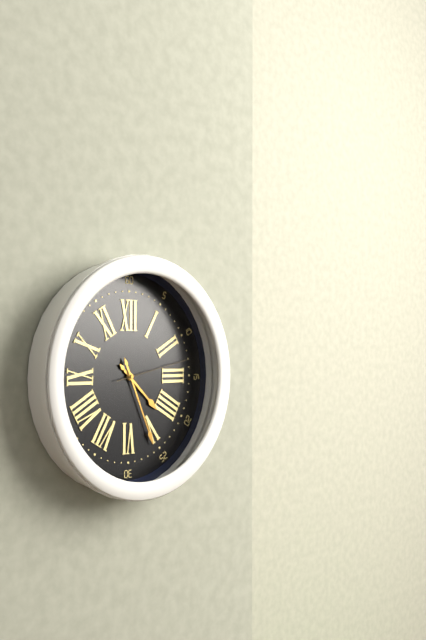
{"hour": 4, "minute": 26, "second": 13}
